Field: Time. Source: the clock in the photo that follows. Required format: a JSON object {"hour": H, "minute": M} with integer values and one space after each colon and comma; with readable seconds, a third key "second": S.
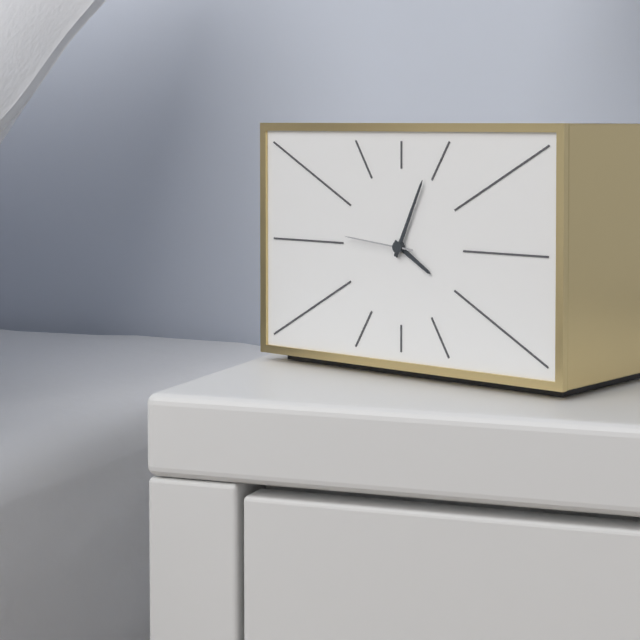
{"hour": 4, "minute": 4, "second": 46}
